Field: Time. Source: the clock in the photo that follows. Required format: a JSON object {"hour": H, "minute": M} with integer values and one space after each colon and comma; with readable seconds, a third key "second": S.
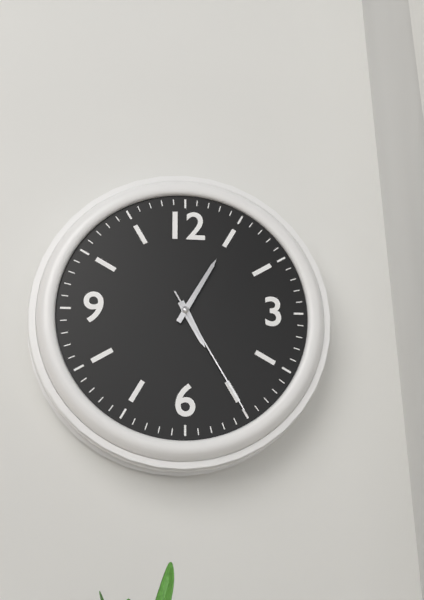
{"hour": 5, "minute": 5, "second": 25}
